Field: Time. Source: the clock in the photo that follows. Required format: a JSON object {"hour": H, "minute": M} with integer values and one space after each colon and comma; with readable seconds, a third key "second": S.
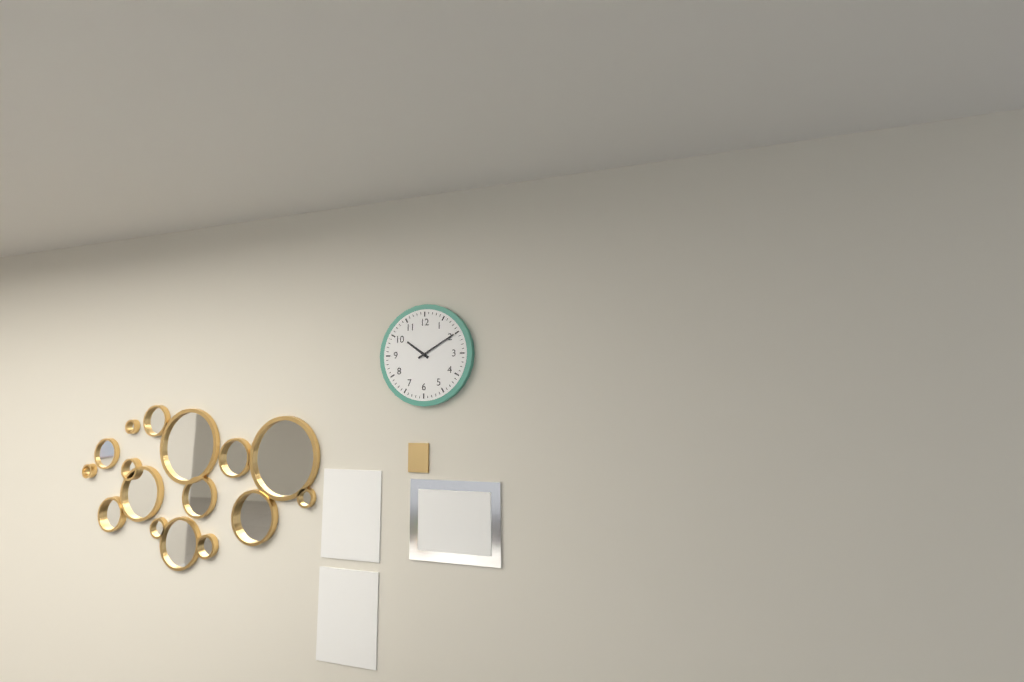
{"hour": 10, "minute": 10}
